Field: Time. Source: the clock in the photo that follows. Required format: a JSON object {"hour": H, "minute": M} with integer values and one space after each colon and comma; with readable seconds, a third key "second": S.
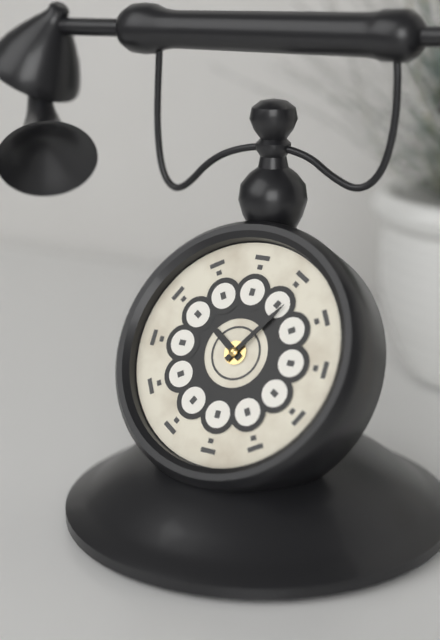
{"hour": 10, "minute": 6}
